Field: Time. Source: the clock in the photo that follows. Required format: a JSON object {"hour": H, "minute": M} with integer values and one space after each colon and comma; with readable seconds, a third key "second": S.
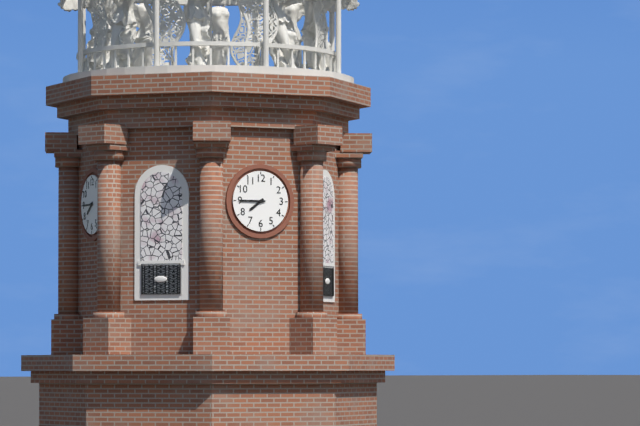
{"hour": 7, "minute": 45}
